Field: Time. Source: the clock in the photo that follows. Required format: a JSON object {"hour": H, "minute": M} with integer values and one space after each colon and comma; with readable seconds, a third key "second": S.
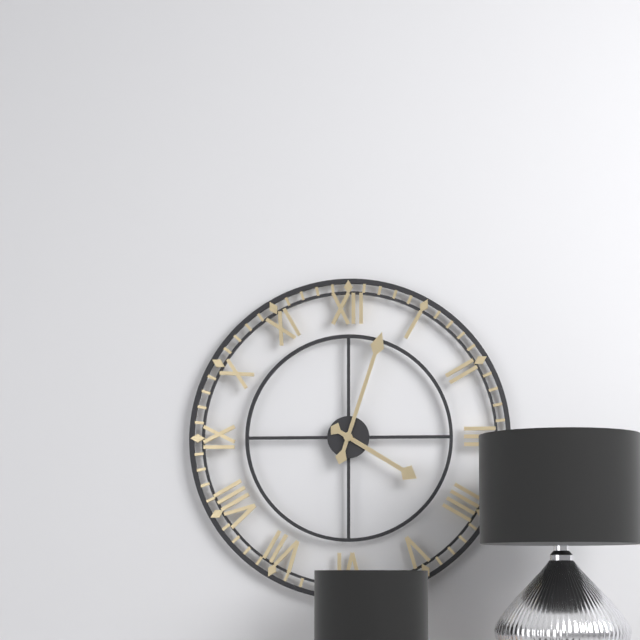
{"hour": 4, "minute": 3}
